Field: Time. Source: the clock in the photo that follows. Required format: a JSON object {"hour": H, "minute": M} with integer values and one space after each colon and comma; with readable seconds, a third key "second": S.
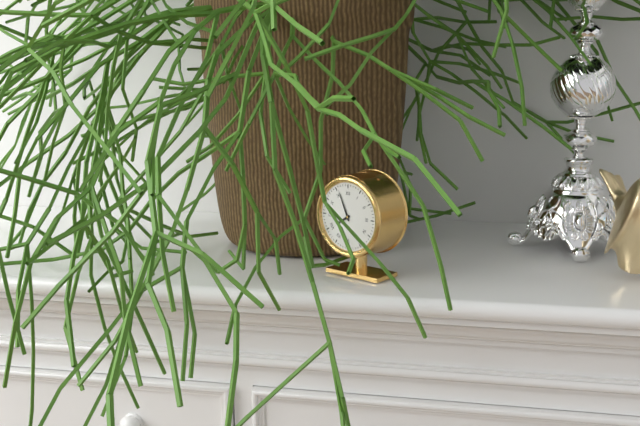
{"hour": 7, "minute": 56}
